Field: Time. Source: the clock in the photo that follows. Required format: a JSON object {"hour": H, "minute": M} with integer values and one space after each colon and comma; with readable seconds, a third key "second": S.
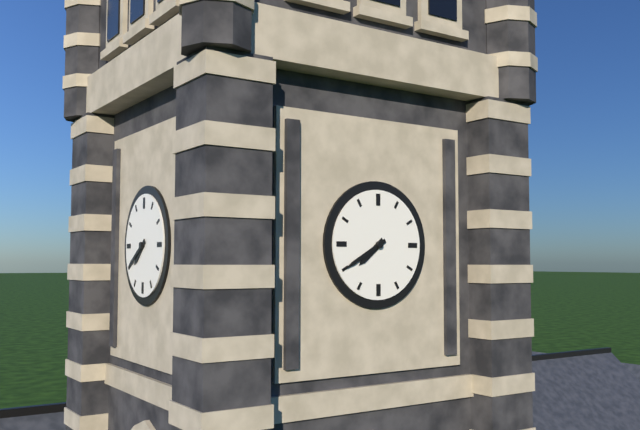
{"hour": 7, "minute": 40}
